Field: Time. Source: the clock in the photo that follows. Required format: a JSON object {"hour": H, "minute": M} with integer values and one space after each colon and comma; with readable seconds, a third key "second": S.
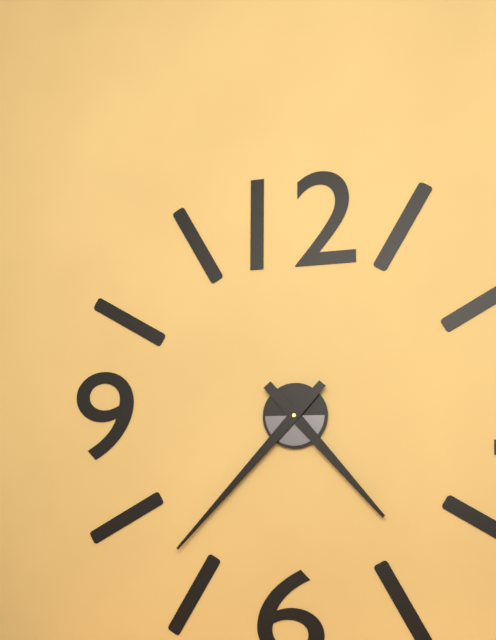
{"hour": 4, "minute": 37}
